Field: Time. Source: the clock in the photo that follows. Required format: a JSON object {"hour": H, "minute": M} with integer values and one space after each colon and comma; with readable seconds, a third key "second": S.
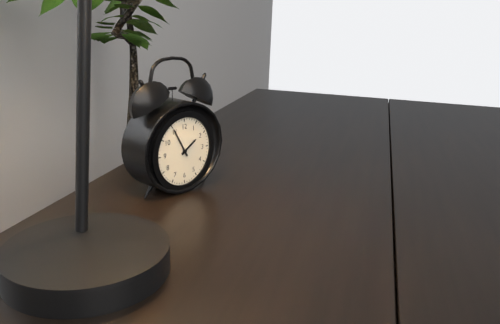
{"hour": 1, "minute": 55}
